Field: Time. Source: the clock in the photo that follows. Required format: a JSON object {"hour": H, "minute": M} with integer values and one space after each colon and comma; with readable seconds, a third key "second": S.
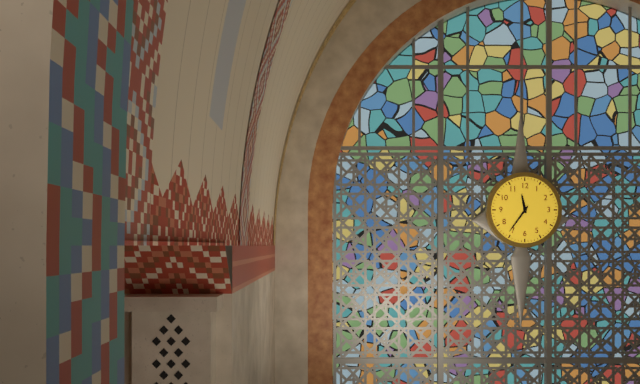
{"hour": 11, "minute": 36}
